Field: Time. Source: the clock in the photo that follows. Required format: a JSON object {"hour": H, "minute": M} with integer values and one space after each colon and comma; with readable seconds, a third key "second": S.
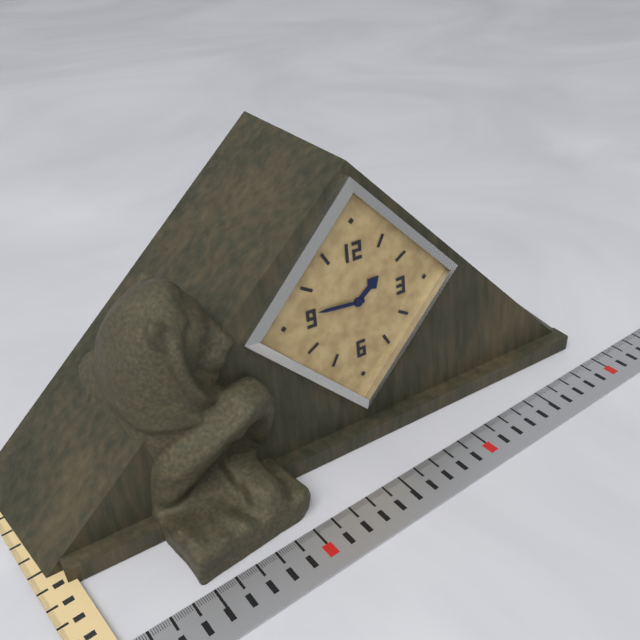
{"hour": 1, "minute": 46}
